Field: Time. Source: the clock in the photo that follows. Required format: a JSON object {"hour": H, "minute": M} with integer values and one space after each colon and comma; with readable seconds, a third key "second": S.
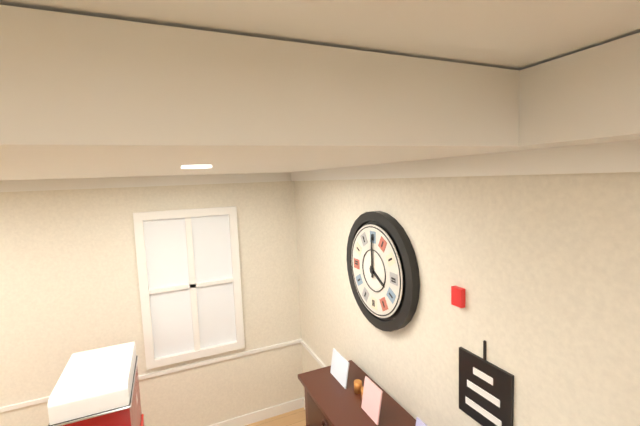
{"hour": 4, "minute": 0}
